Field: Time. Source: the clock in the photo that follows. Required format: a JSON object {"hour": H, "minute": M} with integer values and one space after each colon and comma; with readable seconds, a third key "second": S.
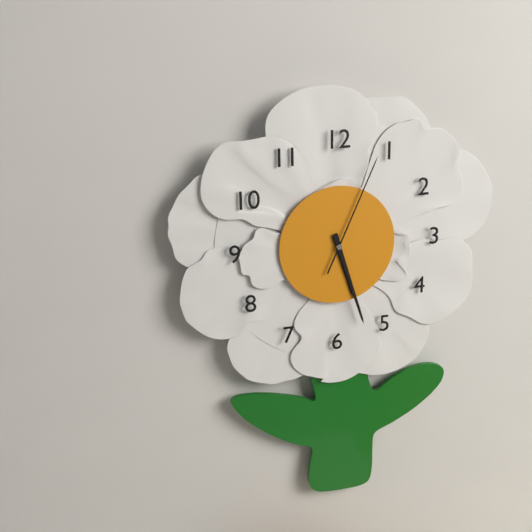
{"hour": 5, "minute": 27, "second": 4}
